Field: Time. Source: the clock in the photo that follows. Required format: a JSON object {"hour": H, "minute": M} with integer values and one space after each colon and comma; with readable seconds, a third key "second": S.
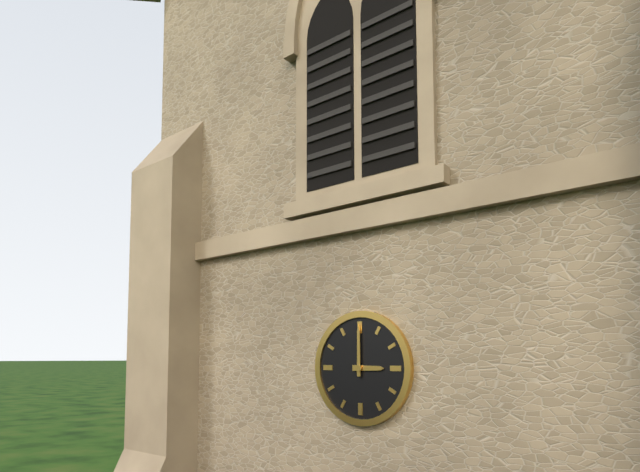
{"hour": 3, "minute": 0}
